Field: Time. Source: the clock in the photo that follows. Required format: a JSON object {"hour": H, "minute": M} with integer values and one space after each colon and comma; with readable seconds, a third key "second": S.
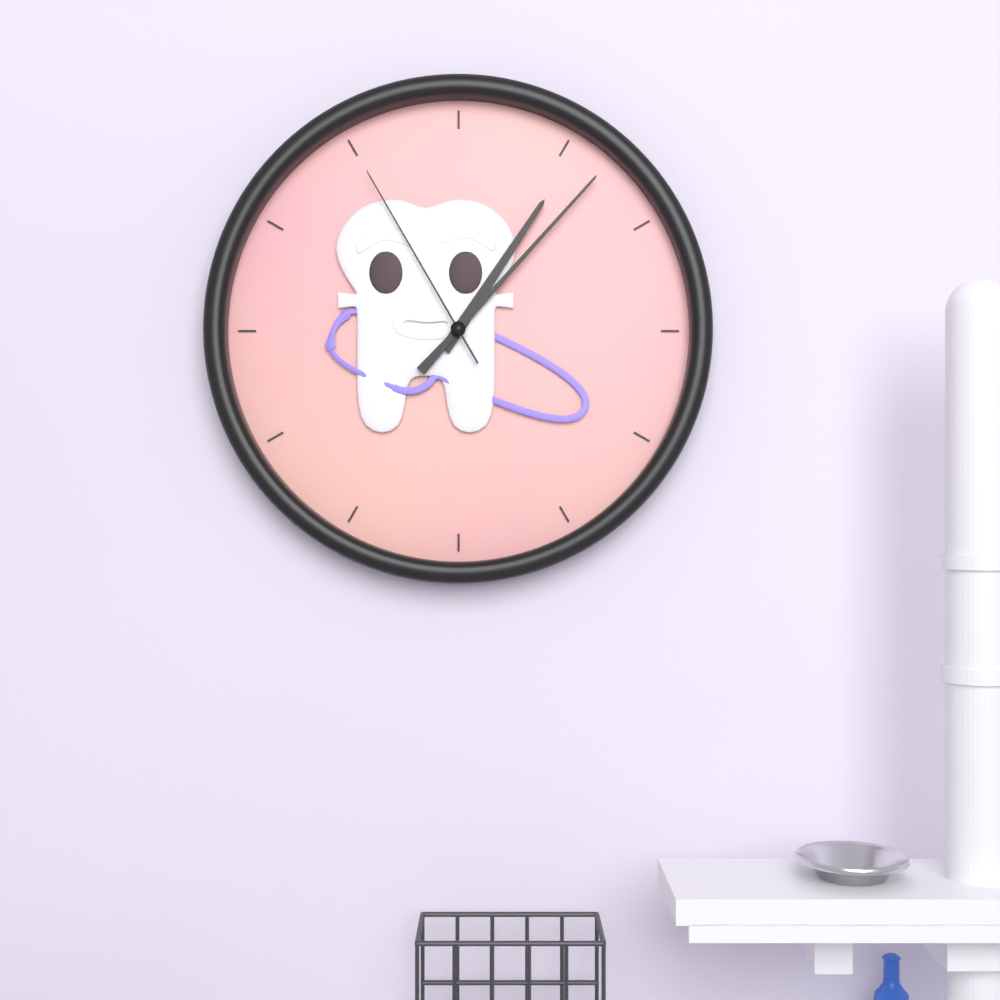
{"hour": 1, "minute": 7, "second": 55}
